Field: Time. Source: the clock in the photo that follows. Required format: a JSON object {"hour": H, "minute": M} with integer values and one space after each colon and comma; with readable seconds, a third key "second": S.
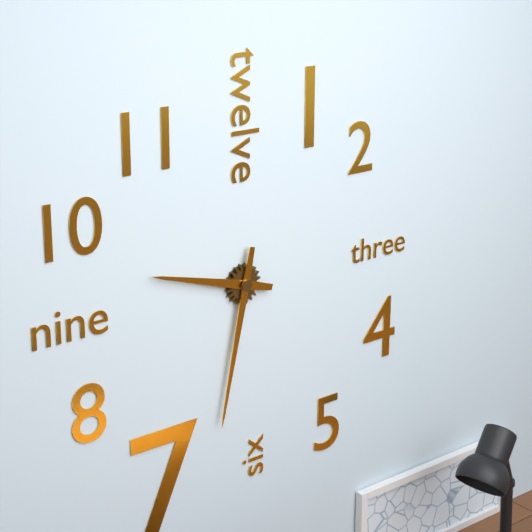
{"hour": 9, "minute": 32}
